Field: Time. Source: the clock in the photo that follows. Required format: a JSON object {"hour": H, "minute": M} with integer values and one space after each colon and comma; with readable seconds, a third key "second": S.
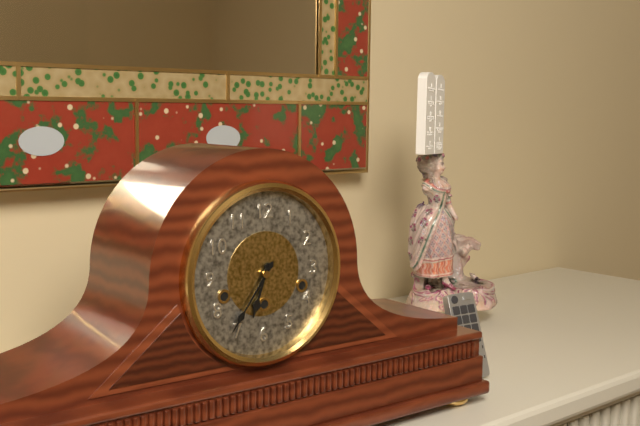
{"hour": 6, "minute": 36}
